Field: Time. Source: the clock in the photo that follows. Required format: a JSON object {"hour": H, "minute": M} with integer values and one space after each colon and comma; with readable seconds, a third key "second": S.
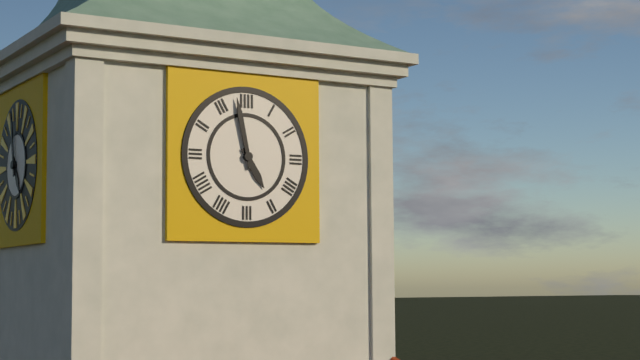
{"hour": 4, "minute": 58}
